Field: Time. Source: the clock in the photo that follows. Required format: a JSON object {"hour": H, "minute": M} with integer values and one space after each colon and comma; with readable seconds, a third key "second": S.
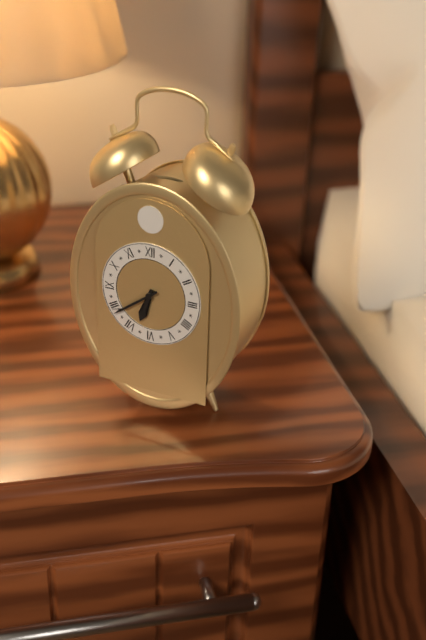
{"hour": 6, "minute": 39}
